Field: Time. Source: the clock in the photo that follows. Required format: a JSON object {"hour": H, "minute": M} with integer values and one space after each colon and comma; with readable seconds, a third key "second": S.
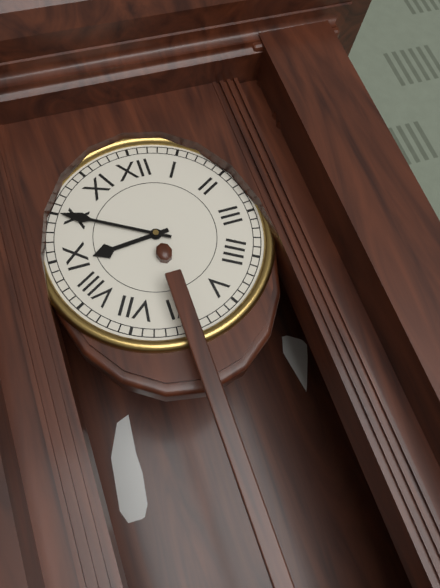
{"hour": 8, "minute": 50}
